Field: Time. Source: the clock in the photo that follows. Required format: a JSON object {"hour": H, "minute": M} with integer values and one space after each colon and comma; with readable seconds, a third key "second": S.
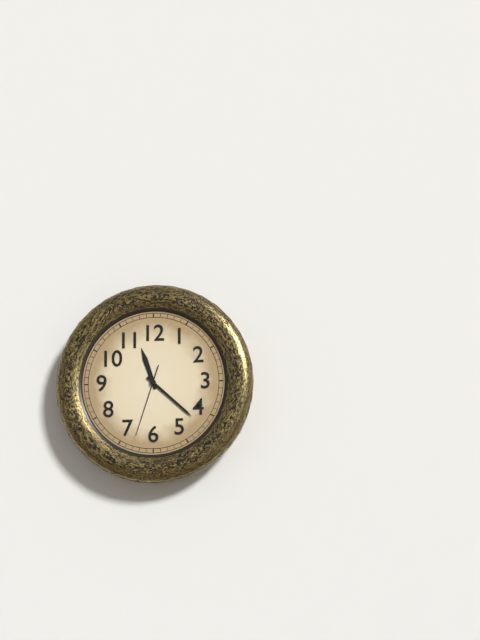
{"hour": 11, "minute": 22, "second": 33}
